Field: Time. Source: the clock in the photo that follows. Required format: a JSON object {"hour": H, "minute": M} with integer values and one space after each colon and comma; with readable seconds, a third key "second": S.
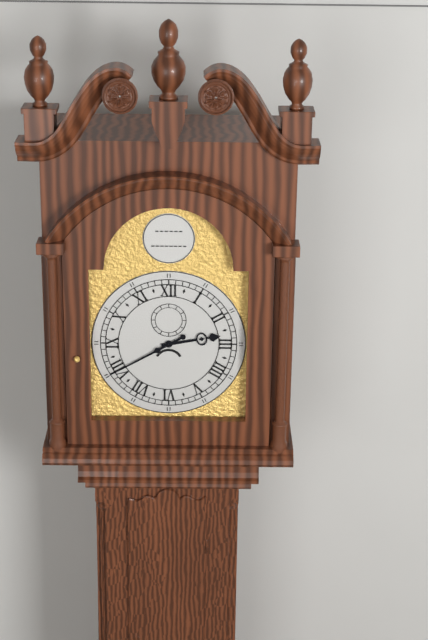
{"hour": 2, "minute": 40}
